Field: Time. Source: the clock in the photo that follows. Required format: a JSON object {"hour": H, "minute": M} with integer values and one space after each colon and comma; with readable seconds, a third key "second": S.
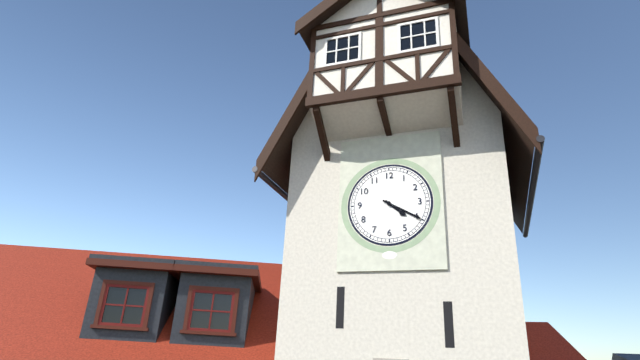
{"hour": 4, "minute": 20}
